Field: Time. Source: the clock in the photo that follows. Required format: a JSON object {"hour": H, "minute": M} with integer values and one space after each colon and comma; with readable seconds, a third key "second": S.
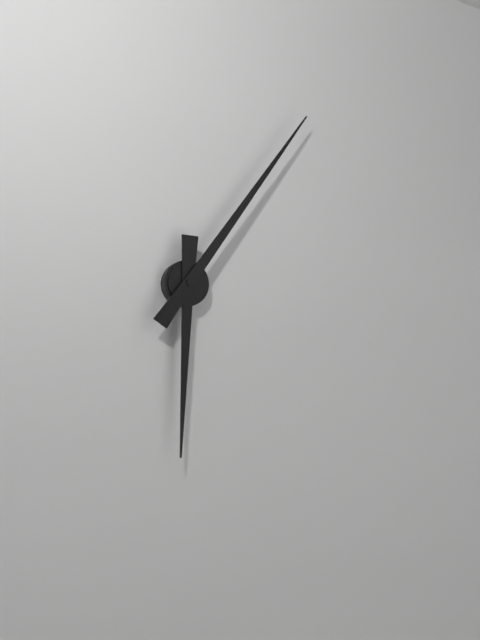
{"hour": 6, "minute": 6}
